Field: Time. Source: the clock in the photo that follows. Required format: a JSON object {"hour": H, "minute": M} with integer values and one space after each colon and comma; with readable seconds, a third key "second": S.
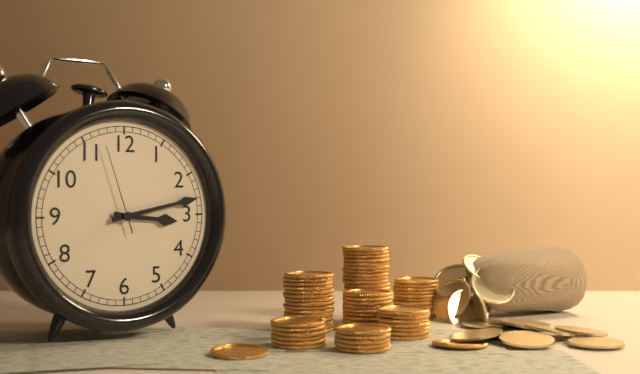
{"hour": 3, "minute": 13, "second": 57}
